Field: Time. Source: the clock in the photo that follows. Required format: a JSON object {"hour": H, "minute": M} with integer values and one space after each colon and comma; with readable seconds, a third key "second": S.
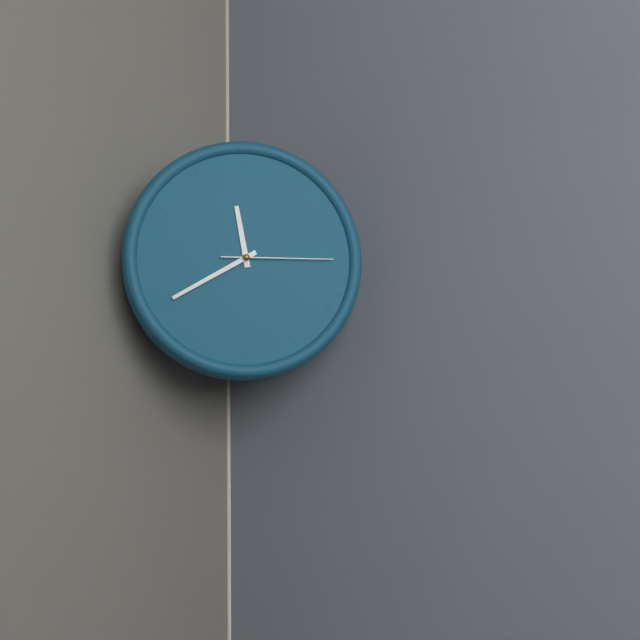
{"hour": 11, "minute": 40, "second": 15}
